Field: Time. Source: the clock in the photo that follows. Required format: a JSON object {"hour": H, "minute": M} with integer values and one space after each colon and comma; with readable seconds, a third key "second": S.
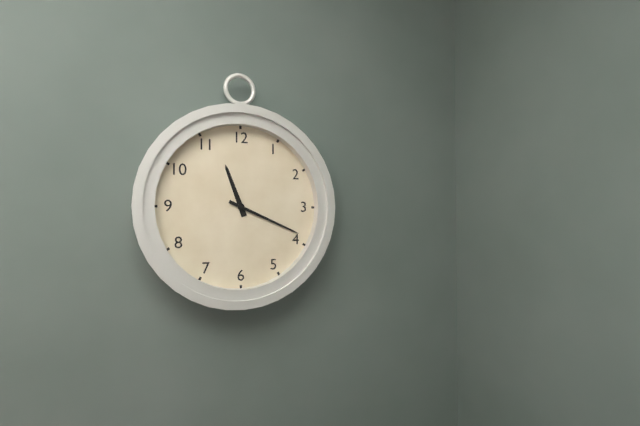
{"hour": 11, "minute": 19}
